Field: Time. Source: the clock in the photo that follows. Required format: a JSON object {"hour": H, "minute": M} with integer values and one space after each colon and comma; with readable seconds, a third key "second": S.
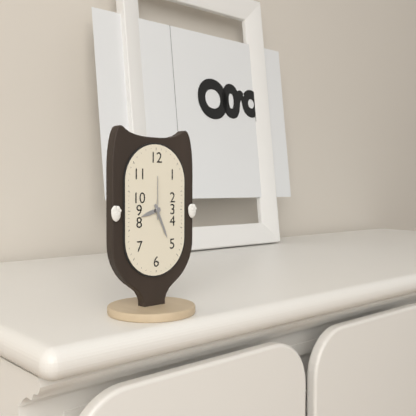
{"hour": 8, "minute": 26}
